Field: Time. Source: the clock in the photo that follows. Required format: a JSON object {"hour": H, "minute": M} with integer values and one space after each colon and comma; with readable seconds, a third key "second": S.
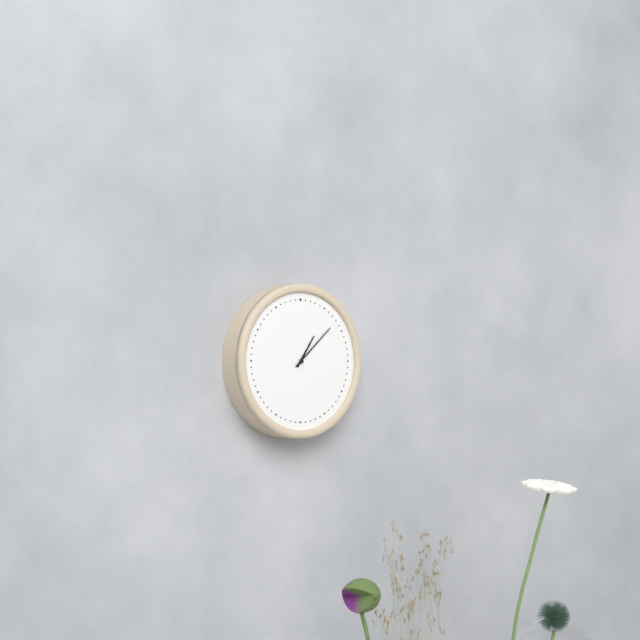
{"hour": 1, "minute": 8}
